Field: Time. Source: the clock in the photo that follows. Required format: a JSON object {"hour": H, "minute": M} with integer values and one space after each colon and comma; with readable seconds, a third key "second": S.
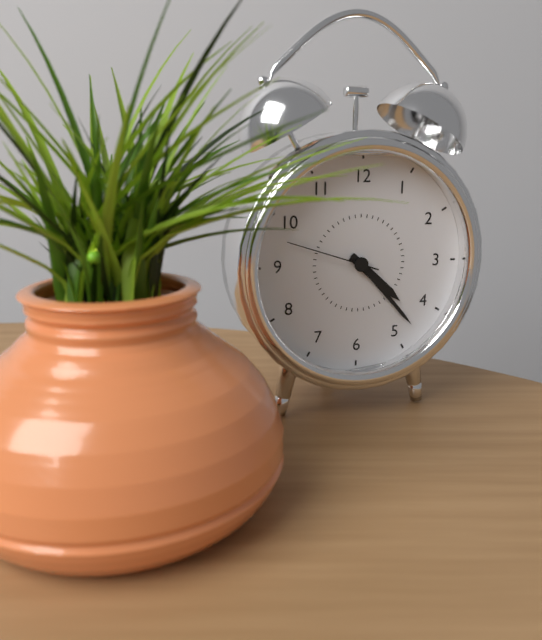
{"hour": 4, "minute": 23, "second": 48}
